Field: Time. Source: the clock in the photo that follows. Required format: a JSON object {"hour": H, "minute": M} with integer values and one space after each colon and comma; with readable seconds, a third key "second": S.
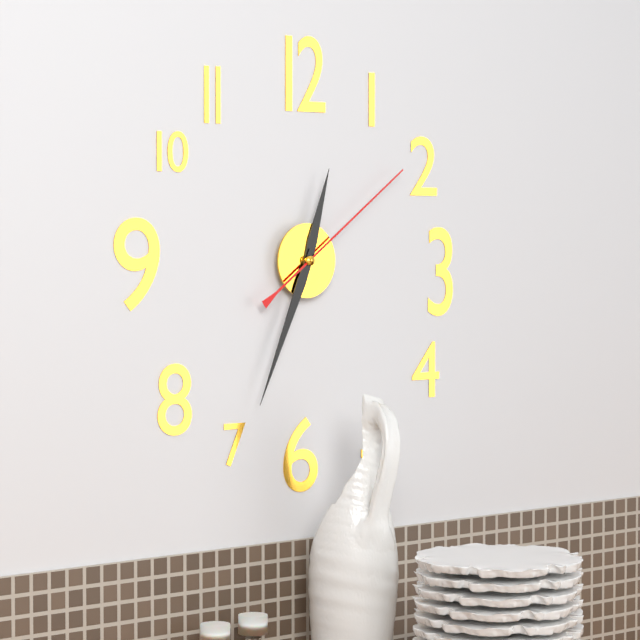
{"hour": 12, "minute": 34, "second": 9}
